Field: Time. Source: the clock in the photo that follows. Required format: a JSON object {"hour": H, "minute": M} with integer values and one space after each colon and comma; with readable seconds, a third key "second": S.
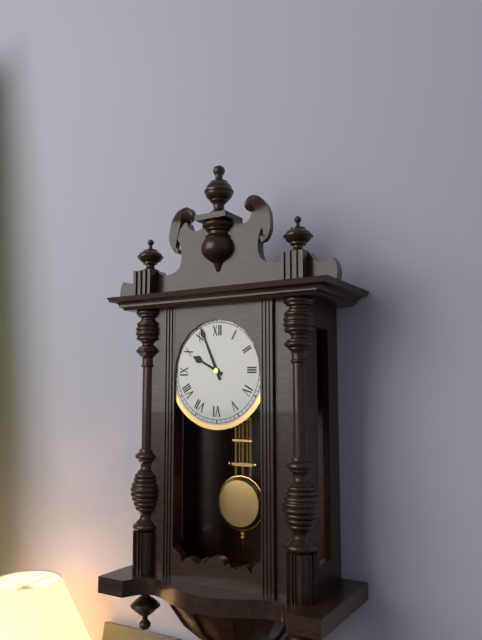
{"hour": 9, "minute": 56}
